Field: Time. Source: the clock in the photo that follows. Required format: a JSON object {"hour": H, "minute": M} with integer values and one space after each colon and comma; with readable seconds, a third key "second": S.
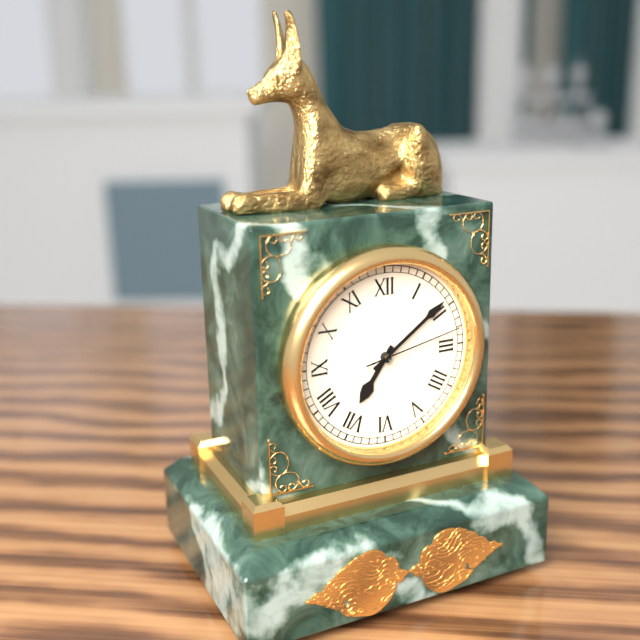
{"hour": 7, "minute": 9, "second": 13}
